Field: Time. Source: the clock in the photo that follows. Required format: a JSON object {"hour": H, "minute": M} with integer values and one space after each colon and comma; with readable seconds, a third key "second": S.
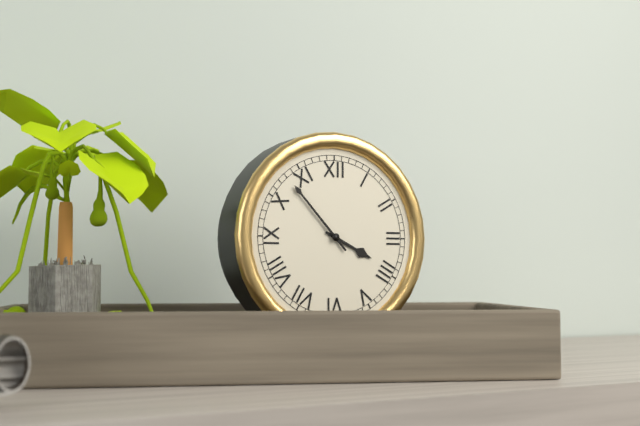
{"hour": 3, "minute": 53}
